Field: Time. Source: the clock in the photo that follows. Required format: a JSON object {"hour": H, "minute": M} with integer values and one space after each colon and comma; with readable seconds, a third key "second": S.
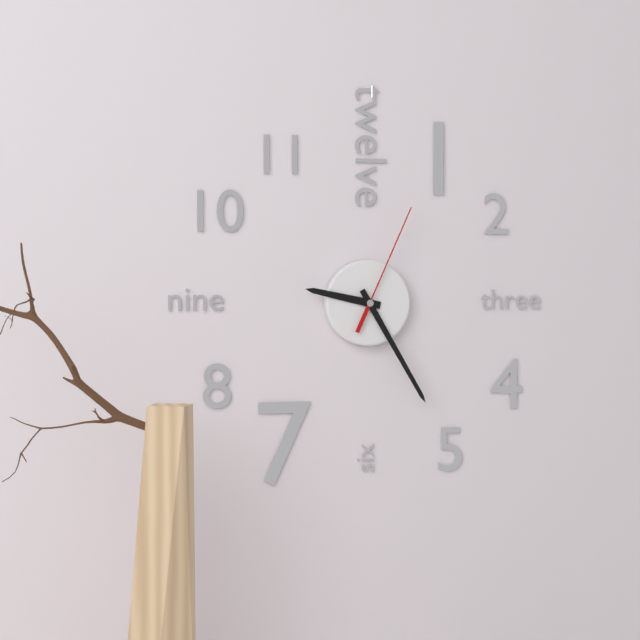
{"hour": 9, "minute": 25, "second": 4}
